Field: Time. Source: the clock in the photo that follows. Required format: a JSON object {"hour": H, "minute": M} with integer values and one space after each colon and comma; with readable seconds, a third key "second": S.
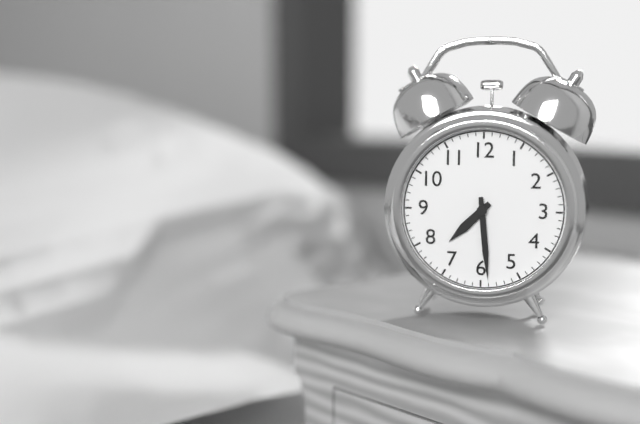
{"hour": 7, "minute": 29}
